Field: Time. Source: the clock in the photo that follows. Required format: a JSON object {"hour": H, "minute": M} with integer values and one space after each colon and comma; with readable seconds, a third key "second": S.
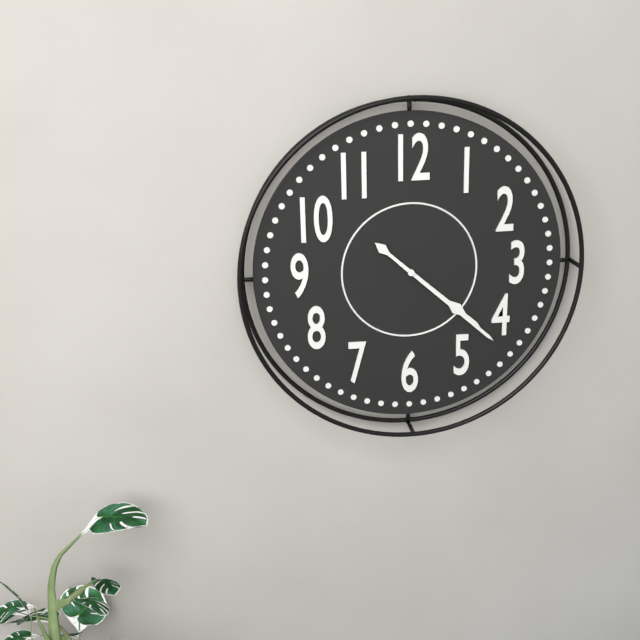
{"hour": 4, "minute": 22}
